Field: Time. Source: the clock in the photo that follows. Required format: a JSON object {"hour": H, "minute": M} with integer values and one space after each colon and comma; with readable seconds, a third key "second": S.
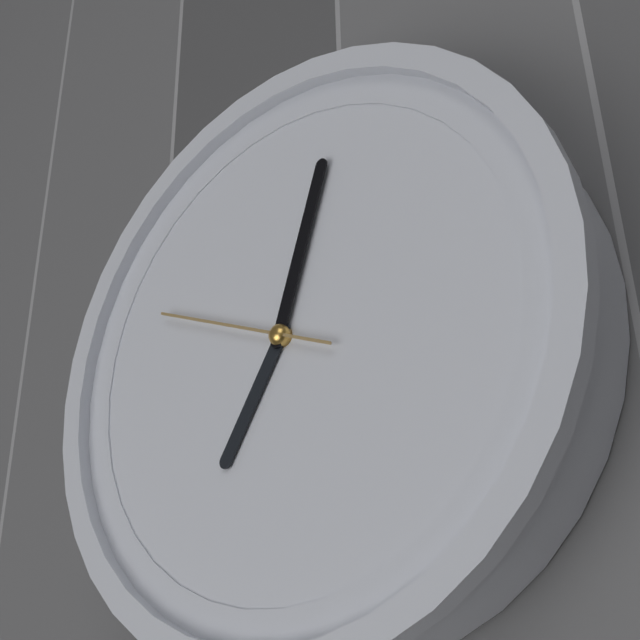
{"hour": 7, "minute": 3, "second": 49}
